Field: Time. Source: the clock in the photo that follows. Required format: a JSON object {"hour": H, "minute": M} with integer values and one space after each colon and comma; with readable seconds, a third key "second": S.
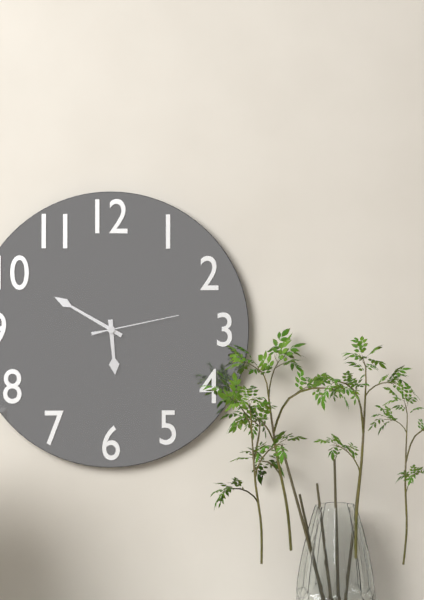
{"hour": 5, "minute": 50, "second": 13}
